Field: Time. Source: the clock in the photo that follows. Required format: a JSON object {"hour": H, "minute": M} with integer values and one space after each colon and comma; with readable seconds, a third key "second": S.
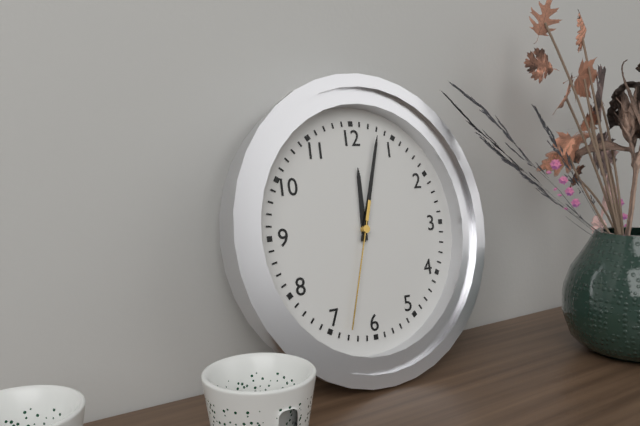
{"hour": 12, "minute": 3, "second": 33}
